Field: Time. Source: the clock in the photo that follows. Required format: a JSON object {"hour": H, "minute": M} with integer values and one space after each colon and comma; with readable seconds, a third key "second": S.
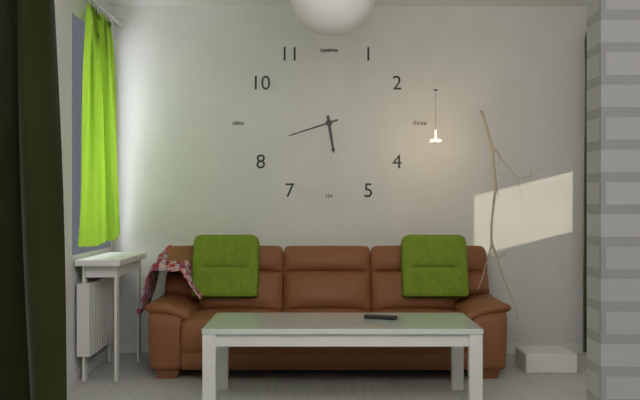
{"hour": 5, "minute": 42}
